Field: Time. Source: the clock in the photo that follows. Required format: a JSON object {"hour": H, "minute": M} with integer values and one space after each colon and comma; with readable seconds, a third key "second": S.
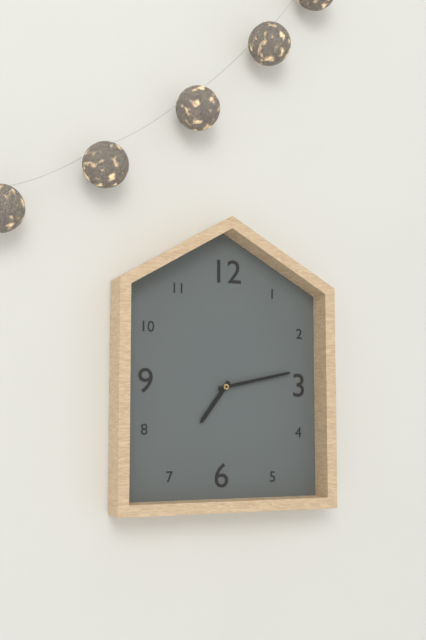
{"hour": 7, "minute": 13}
